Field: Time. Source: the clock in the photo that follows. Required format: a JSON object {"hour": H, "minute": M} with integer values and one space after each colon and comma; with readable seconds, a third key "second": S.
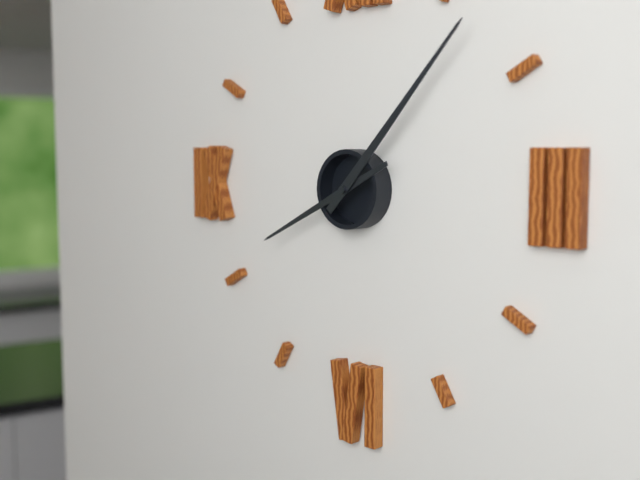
{"hour": 8, "minute": 7}
